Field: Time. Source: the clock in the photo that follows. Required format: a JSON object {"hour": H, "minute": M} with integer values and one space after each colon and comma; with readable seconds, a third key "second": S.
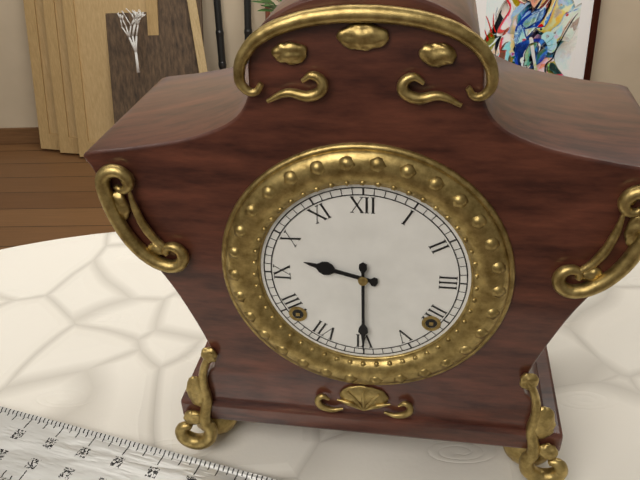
{"hour": 9, "minute": 30}
